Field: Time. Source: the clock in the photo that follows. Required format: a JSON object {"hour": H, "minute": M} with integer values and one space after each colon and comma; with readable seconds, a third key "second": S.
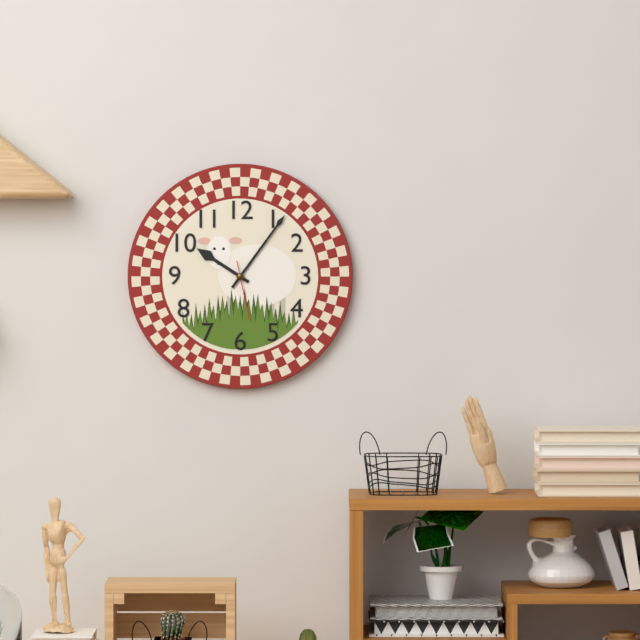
{"hour": 10, "minute": 6, "second": 28}
